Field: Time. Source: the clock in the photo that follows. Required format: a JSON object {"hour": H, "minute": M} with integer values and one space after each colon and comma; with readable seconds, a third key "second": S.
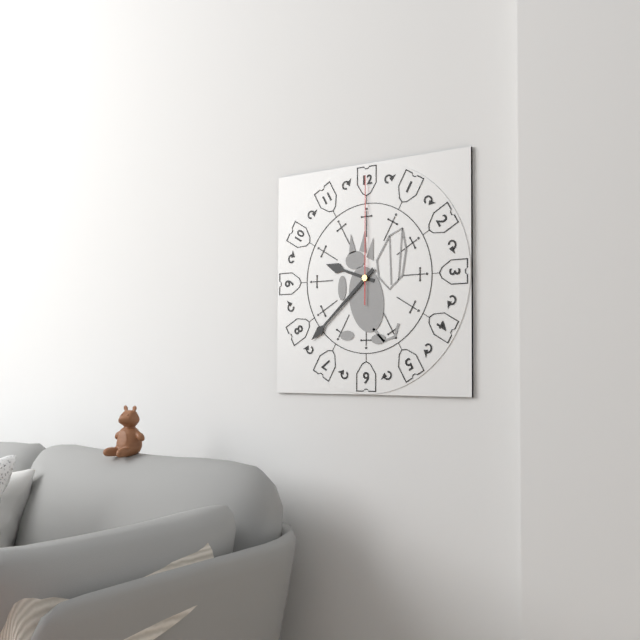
{"hour": 9, "minute": 38, "second": 0}
